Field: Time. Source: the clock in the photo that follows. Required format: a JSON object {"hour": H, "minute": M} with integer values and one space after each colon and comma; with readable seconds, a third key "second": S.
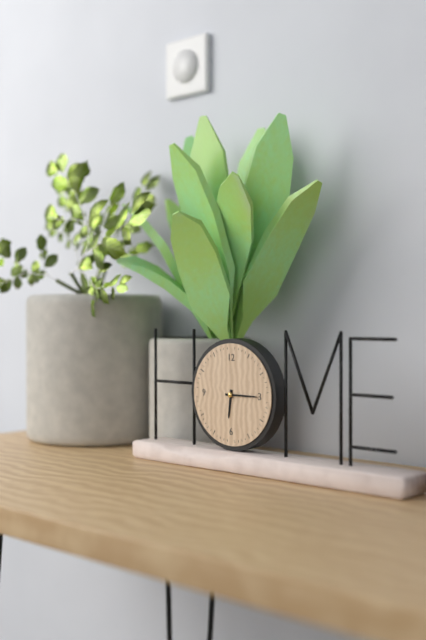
{"hour": 6, "minute": 15}
